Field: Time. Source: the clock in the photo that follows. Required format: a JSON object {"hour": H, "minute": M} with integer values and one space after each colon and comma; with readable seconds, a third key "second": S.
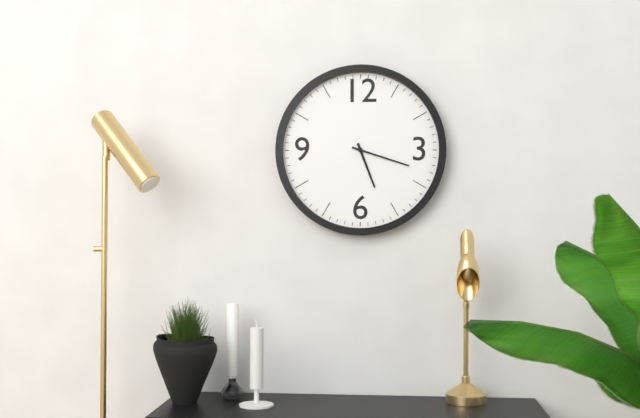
{"hour": 5, "minute": 18}
